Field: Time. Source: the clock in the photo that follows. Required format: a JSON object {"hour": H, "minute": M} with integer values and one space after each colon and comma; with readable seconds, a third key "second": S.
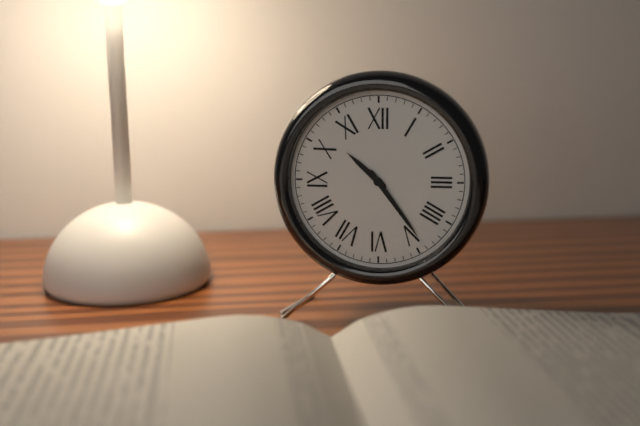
{"hour": 10, "minute": 24}
